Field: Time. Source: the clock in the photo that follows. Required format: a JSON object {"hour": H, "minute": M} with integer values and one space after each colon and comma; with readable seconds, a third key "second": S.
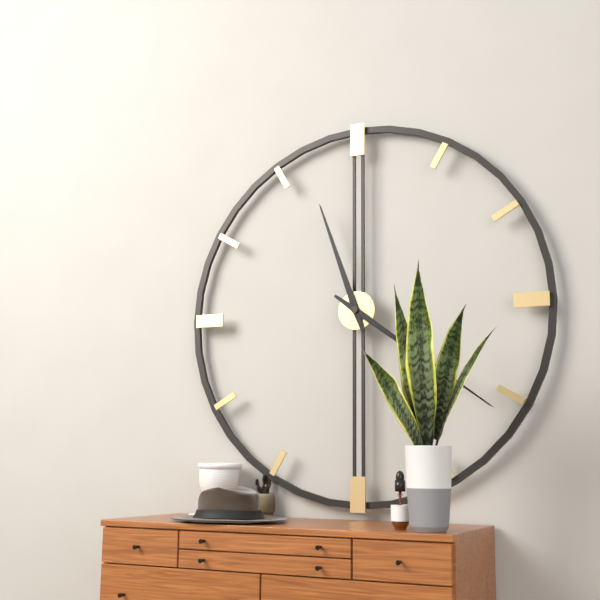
{"hour": 11, "minute": 21}
